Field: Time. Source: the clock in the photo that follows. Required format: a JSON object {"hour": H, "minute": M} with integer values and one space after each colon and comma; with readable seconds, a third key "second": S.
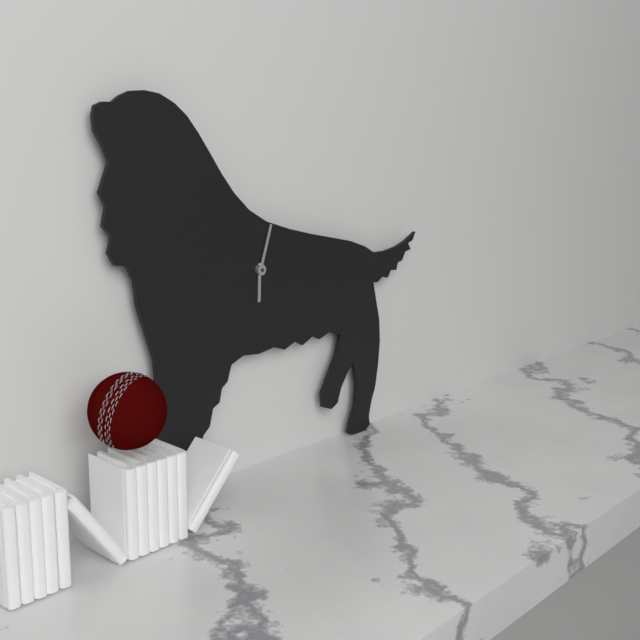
{"hour": 6, "minute": 3}
